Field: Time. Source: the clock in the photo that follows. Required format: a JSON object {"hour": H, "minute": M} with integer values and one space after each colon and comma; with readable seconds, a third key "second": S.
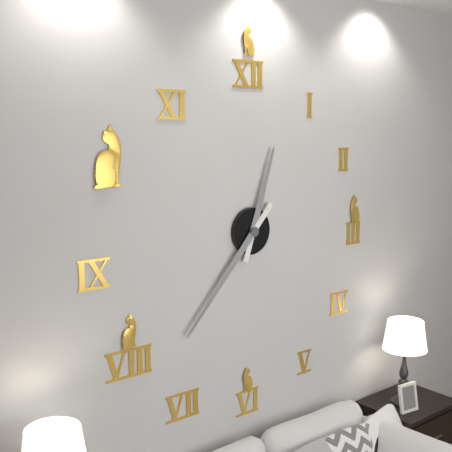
{"hour": 12, "minute": 37}
